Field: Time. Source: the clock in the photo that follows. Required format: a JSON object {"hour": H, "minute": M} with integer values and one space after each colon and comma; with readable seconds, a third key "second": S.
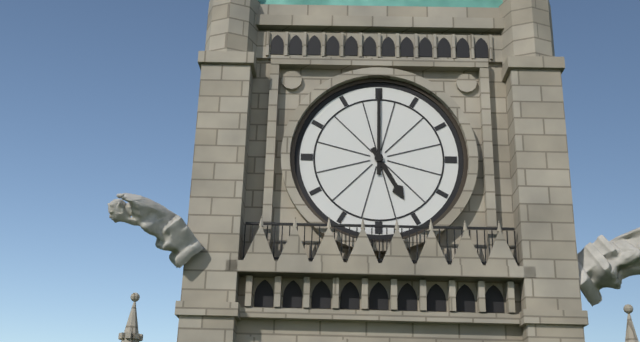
{"hour": 5, "minute": 0}
